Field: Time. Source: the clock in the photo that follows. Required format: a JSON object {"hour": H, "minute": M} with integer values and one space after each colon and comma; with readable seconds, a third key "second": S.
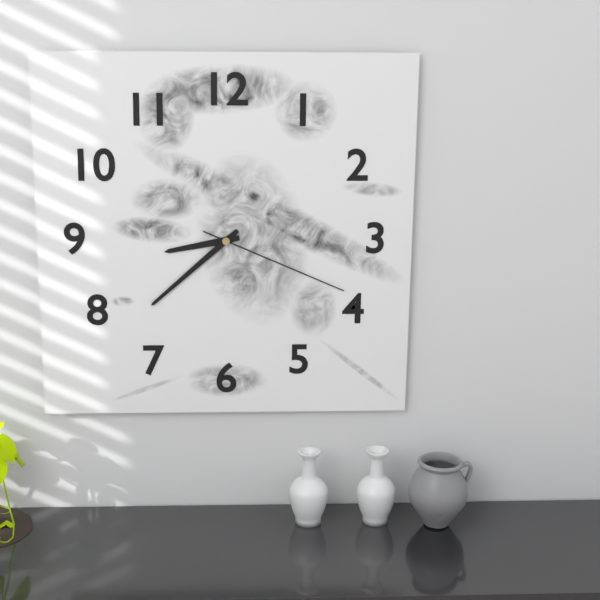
{"hour": 8, "minute": 38, "second": 19}
